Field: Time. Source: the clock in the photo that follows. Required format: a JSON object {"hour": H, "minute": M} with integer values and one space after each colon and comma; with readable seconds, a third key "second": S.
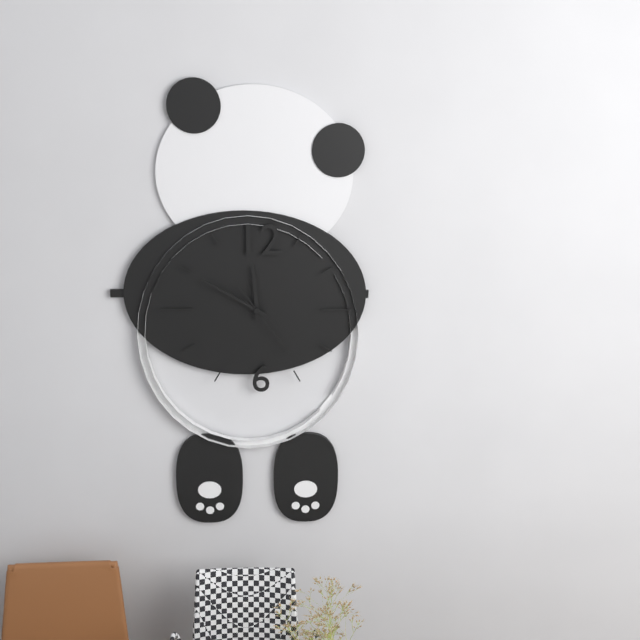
{"hour": 11, "minute": 50, "second": 24}
